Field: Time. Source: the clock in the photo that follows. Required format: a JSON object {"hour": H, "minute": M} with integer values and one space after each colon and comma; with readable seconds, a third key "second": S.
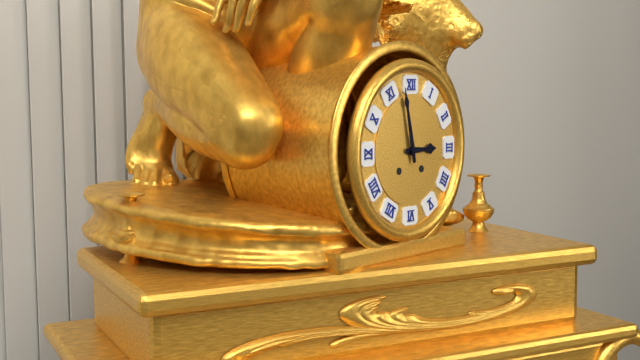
{"hour": 2, "minute": 58}
